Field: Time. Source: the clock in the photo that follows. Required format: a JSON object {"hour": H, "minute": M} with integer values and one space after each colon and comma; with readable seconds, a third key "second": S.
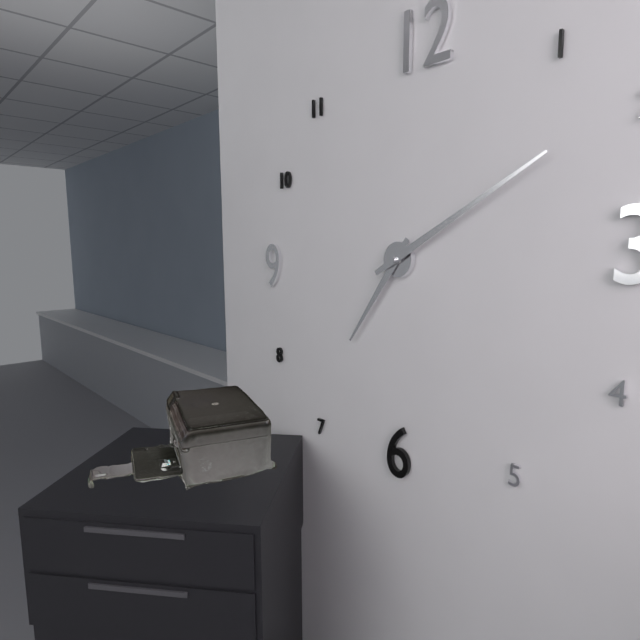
{"hour": 7, "minute": 10}
